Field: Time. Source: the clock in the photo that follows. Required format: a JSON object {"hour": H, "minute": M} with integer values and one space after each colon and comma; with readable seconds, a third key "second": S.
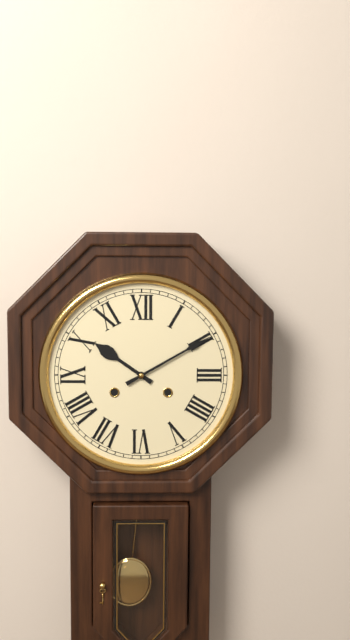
{"hour": 10, "minute": 10}
